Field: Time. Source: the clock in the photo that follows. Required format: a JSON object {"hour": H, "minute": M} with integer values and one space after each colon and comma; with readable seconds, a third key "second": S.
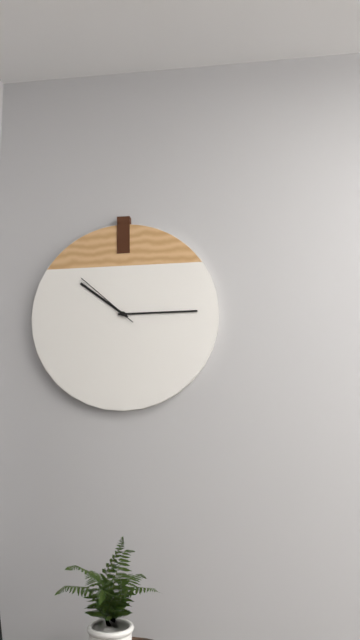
{"hour": 10, "minute": 15, "second": 52}
